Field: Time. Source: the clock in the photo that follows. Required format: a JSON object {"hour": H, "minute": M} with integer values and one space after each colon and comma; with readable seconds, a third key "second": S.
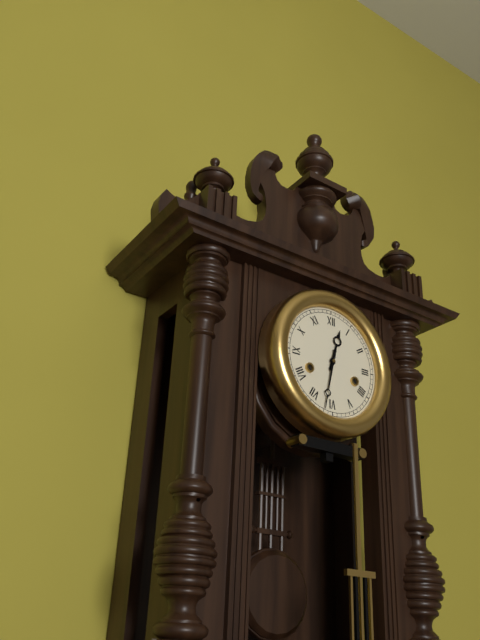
{"hour": 12, "minute": 32}
